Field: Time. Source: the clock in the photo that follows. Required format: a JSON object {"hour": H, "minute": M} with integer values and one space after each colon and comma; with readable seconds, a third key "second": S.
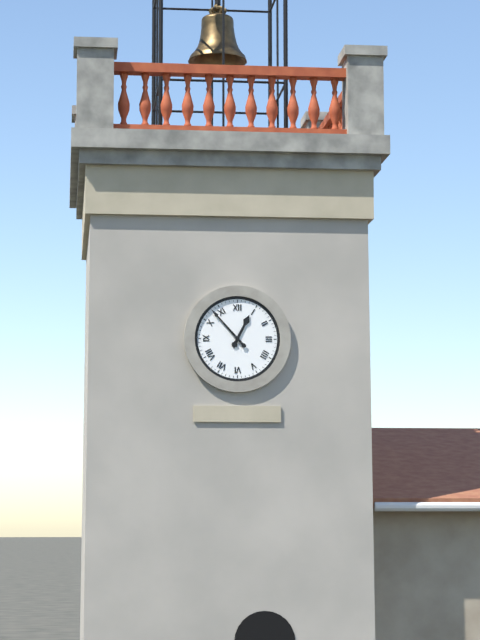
{"hour": 12, "minute": 53}
